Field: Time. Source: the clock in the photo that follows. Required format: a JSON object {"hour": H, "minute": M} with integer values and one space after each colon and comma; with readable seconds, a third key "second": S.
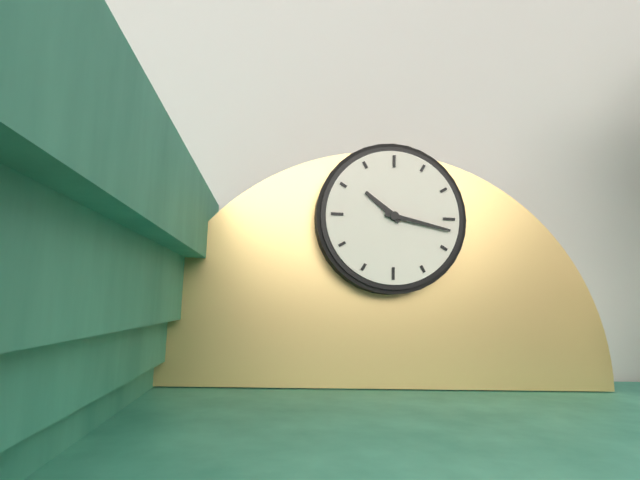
{"hour": 10, "minute": 17}
